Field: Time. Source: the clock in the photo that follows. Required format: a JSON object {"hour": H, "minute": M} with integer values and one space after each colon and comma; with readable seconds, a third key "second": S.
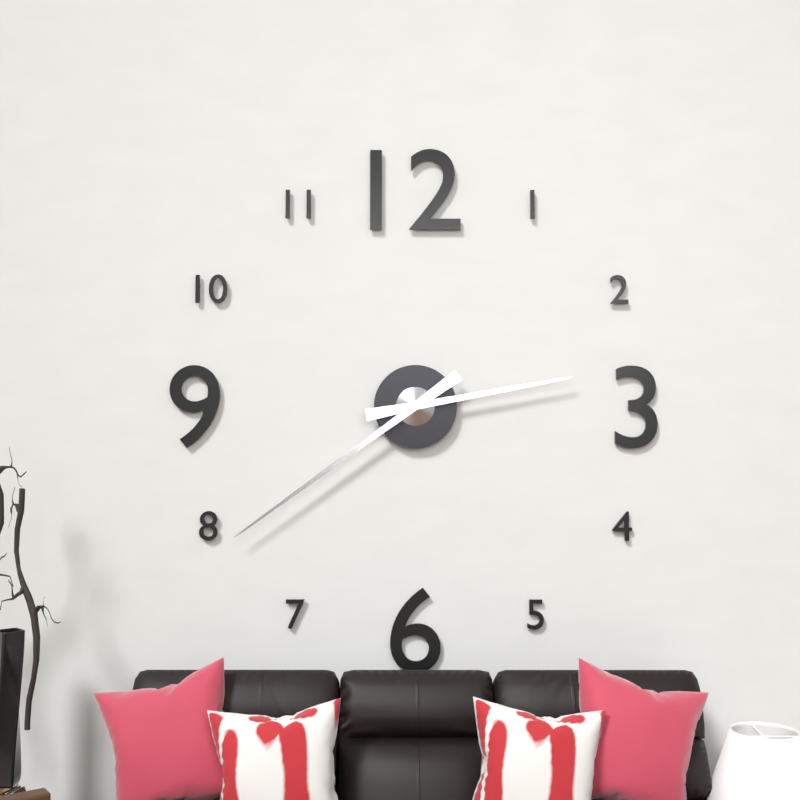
{"hour": 2, "minute": 39}
